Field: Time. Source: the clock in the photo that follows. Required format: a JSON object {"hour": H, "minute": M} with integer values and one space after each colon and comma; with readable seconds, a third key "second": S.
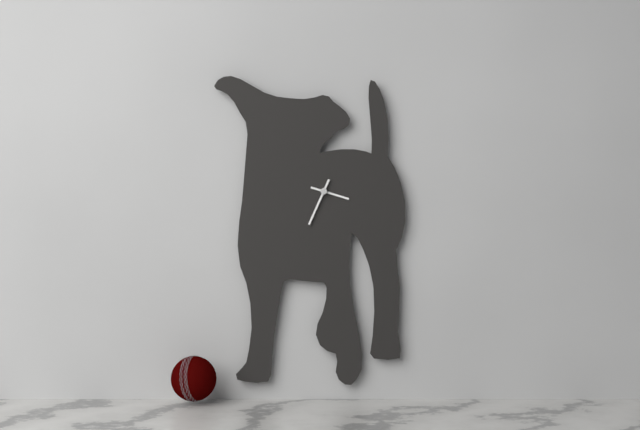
{"hour": 3, "minute": 34}
